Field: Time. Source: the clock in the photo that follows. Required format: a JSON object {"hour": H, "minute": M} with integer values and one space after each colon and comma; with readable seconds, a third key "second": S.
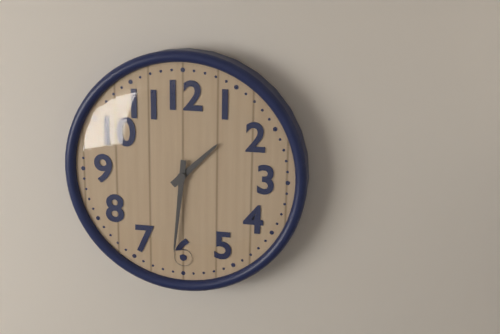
{"hour": 1, "minute": 31}
